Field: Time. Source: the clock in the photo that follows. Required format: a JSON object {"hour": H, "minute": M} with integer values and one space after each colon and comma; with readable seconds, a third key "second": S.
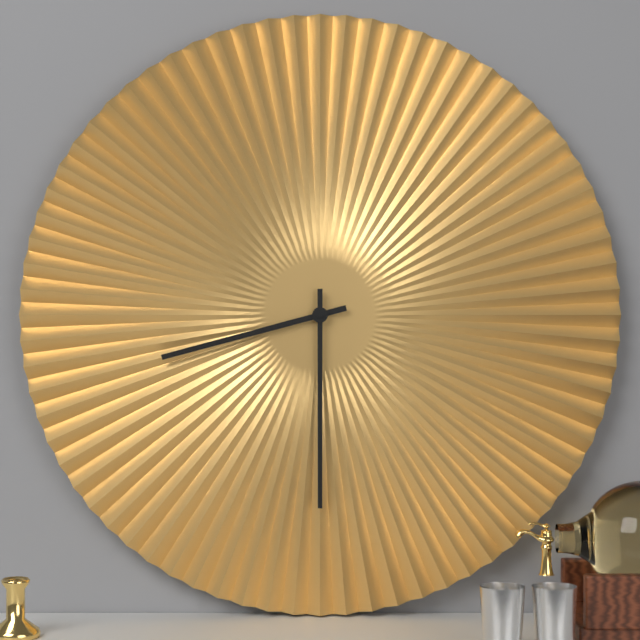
{"hour": 8, "minute": 30}
